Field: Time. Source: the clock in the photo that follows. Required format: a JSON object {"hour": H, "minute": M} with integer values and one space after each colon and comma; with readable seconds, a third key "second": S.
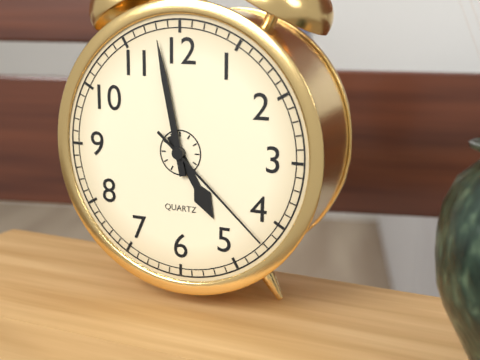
{"hour": 4, "minute": 58, "second": 22}
